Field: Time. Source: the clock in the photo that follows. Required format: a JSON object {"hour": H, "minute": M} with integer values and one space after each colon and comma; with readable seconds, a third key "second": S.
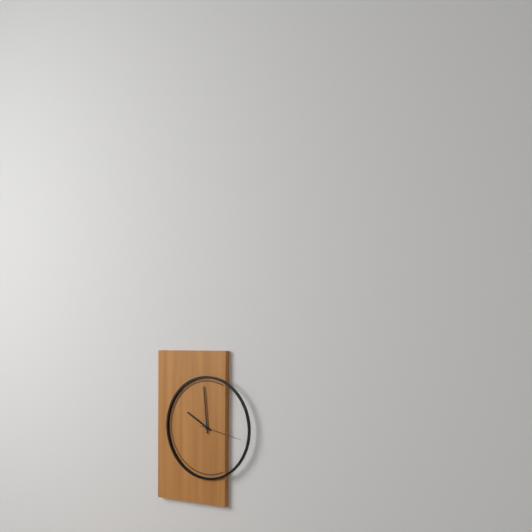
{"hour": 9, "minute": 59}
